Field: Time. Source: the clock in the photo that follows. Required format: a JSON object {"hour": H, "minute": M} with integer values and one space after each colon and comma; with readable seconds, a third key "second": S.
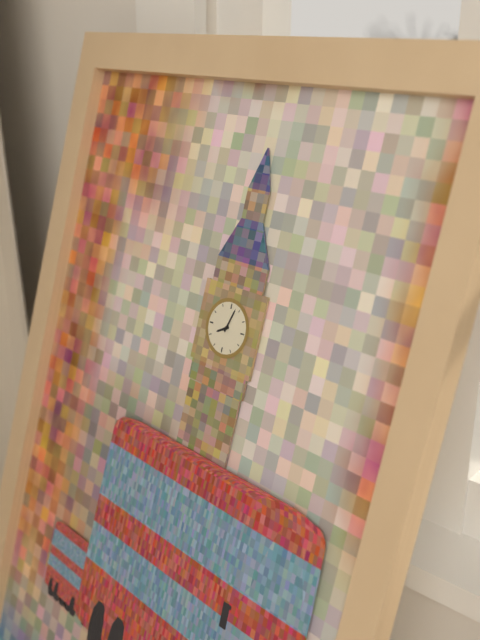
{"hour": 8, "minute": 3}
